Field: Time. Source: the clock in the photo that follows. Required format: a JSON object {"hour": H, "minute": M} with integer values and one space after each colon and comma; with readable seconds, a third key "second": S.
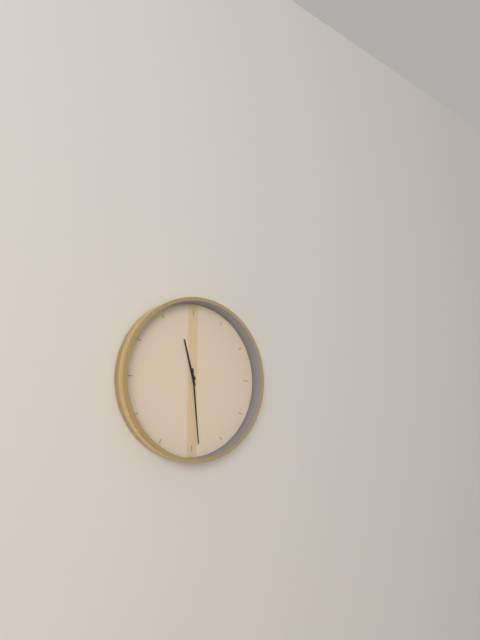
{"hour": 11, "minute": 29}
